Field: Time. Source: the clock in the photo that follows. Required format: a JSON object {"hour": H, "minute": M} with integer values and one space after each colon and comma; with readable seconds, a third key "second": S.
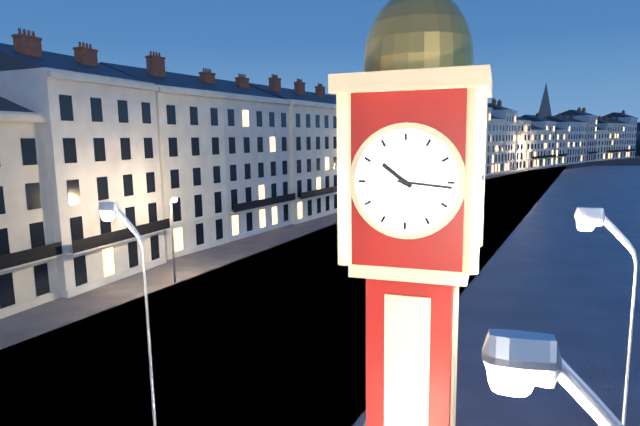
{"hour": 10, "minute": 16}
